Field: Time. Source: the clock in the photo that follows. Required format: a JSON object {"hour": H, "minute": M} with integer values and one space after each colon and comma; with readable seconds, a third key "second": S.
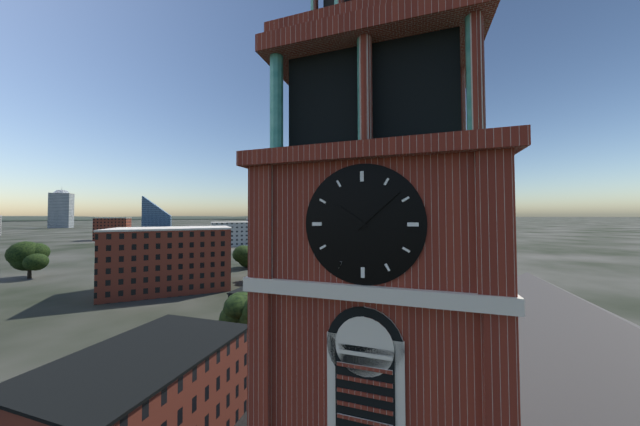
{"hour": 10, "minute": 8}
